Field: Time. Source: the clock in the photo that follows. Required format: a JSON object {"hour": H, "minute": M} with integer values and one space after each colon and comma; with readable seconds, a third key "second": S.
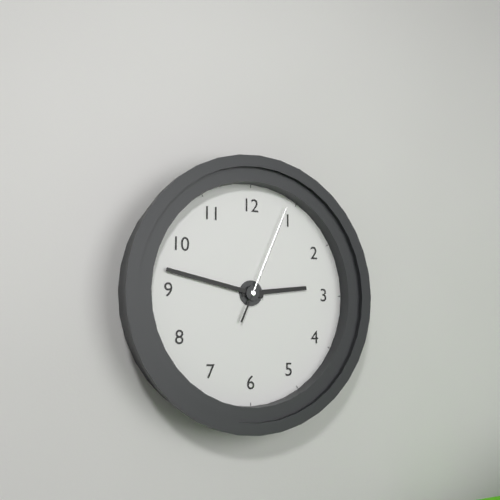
{"hour": 2, "minute": 47, "second": 4}
